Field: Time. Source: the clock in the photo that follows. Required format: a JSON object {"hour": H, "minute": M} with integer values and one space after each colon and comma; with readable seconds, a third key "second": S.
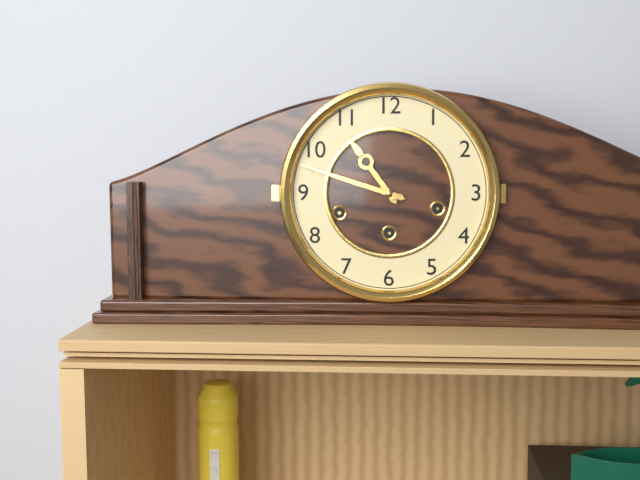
{"hour": 10, "minute": 48}
